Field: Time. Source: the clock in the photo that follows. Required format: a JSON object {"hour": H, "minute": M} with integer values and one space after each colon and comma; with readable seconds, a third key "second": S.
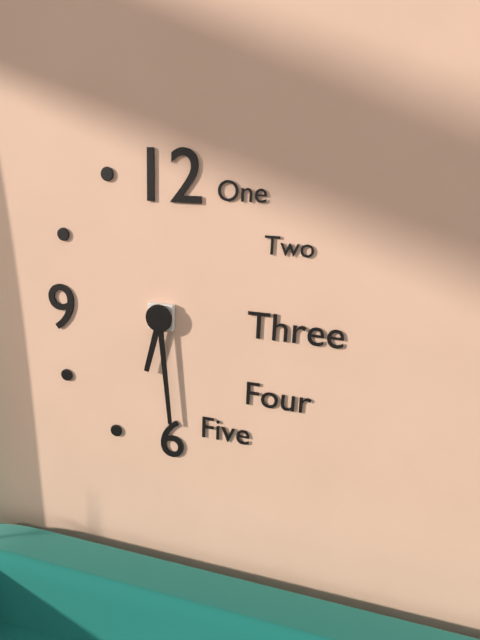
{"hour": 6, "minute": 29}
